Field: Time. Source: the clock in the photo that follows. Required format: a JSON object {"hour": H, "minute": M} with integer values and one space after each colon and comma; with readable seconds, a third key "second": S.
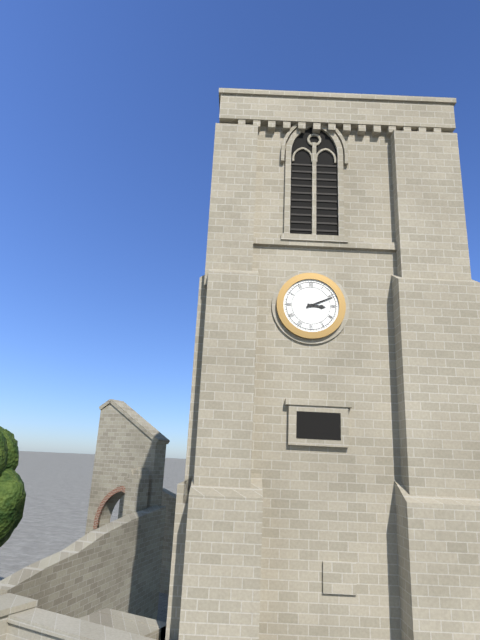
{"hour": 3, "minute": 11}
